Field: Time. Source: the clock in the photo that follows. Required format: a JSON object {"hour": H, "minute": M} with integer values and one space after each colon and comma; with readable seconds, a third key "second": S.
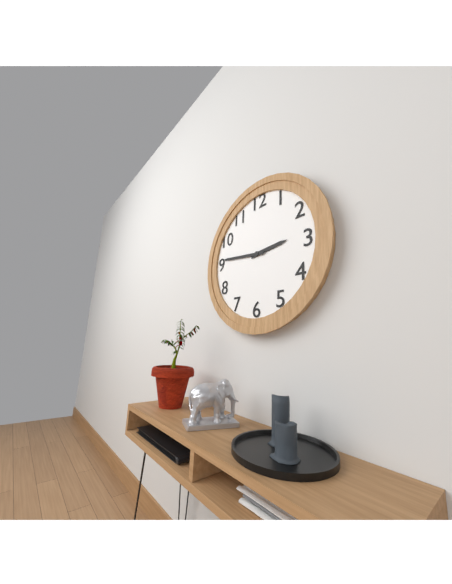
{"hour": 2, "minute": 46}
